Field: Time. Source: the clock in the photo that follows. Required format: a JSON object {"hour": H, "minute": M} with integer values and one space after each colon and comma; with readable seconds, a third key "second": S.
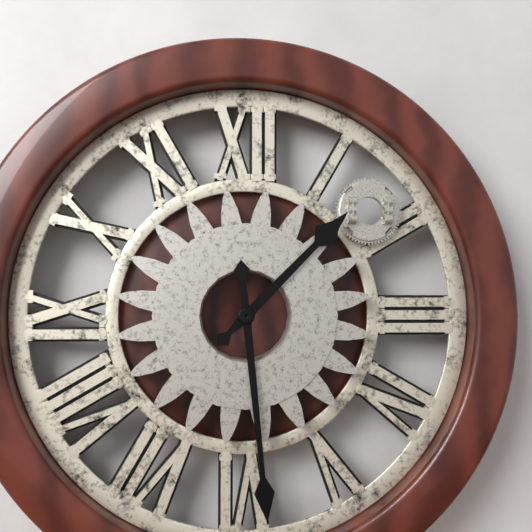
{"hour": 1, "minute": 29}
